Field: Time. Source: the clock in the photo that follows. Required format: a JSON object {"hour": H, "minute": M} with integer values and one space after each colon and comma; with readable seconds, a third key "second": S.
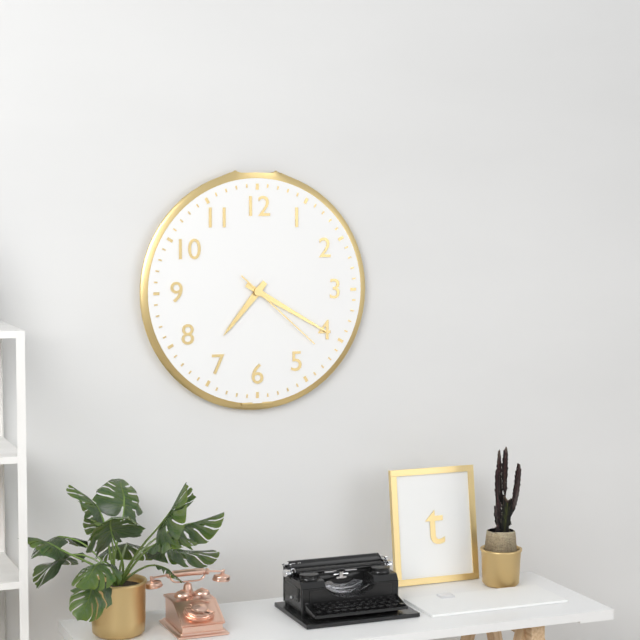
{"hour": 7, "minute": 20, "second": 22}
